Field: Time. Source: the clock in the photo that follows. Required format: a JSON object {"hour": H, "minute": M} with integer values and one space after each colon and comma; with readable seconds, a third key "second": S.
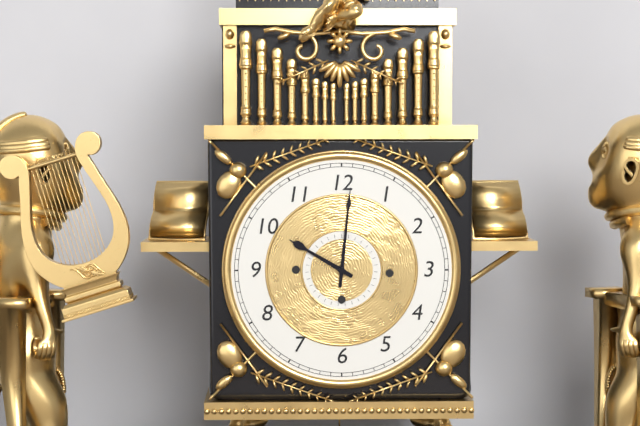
{"hour": 10, "minute": 1}
